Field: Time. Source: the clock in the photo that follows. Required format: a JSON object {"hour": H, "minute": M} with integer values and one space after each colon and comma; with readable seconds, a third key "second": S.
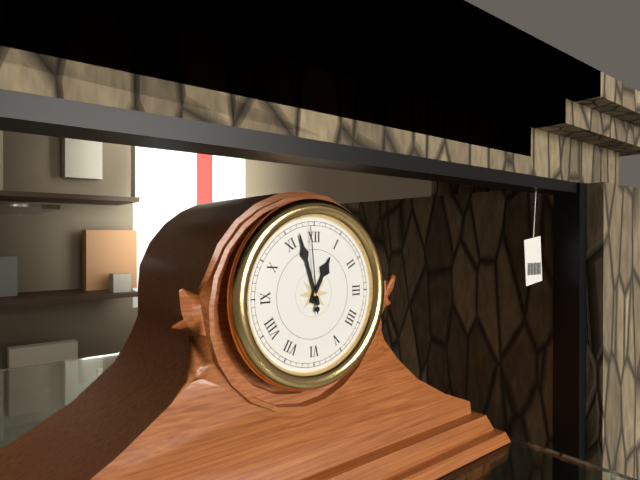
{"hour": 12, "minute": 57, "second": 59}
